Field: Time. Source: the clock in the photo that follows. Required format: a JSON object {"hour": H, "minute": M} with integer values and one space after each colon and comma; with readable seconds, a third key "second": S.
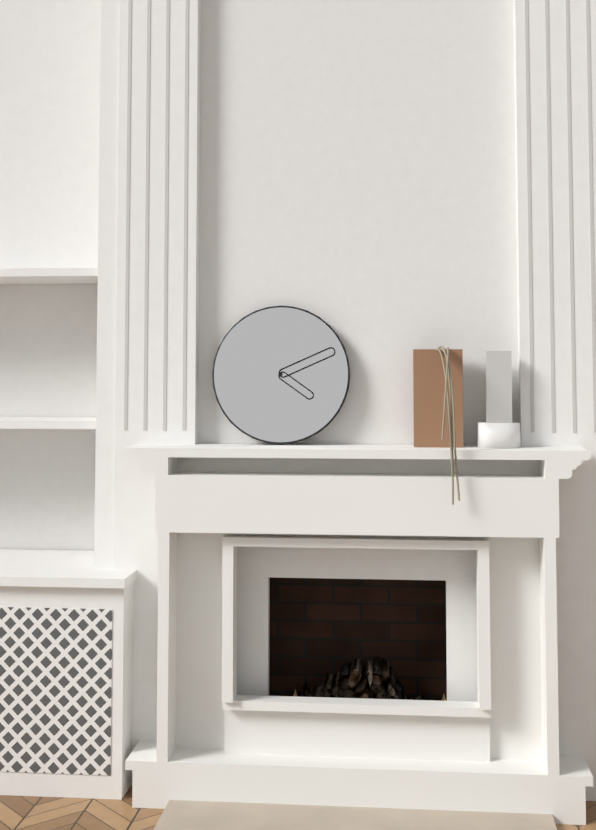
{"hour": 4, "minute": 11}
